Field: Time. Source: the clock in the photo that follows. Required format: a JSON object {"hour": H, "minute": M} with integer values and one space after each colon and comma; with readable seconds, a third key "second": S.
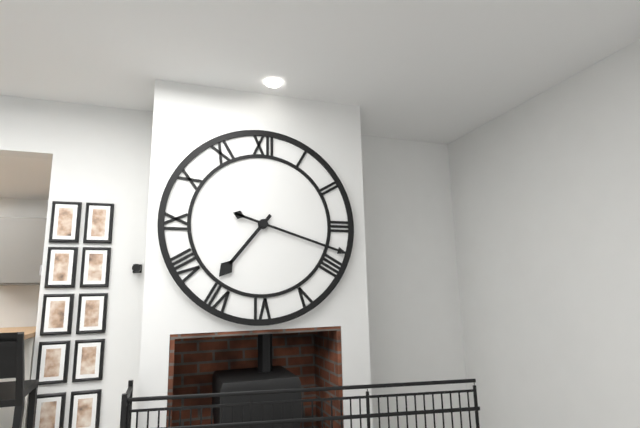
{"hour": 7, "minute": 18}
